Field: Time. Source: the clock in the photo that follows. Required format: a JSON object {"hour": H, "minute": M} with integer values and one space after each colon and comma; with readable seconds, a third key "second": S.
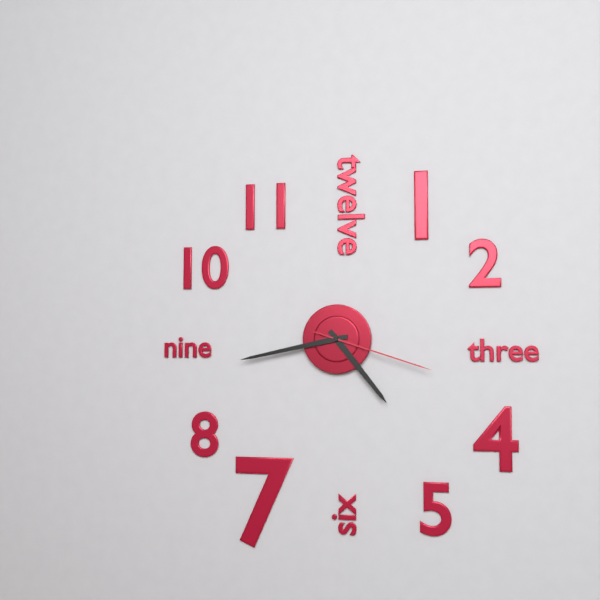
{"hour": 4, "minute": 43, "second": 18}
